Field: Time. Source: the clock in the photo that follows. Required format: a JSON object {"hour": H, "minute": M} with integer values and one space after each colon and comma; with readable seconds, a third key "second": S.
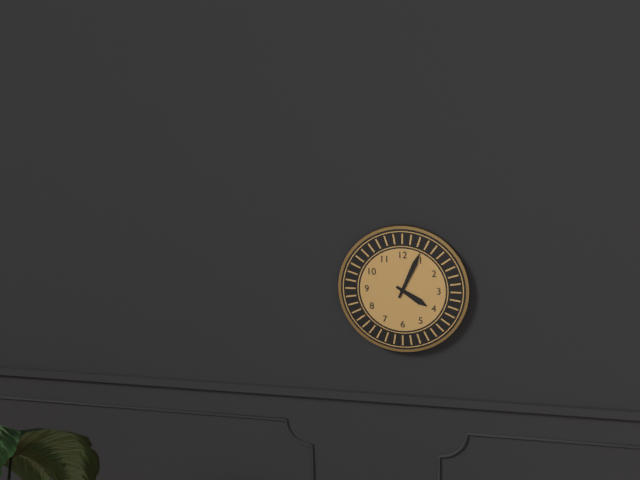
{"hour": 4, "minute": 4}
